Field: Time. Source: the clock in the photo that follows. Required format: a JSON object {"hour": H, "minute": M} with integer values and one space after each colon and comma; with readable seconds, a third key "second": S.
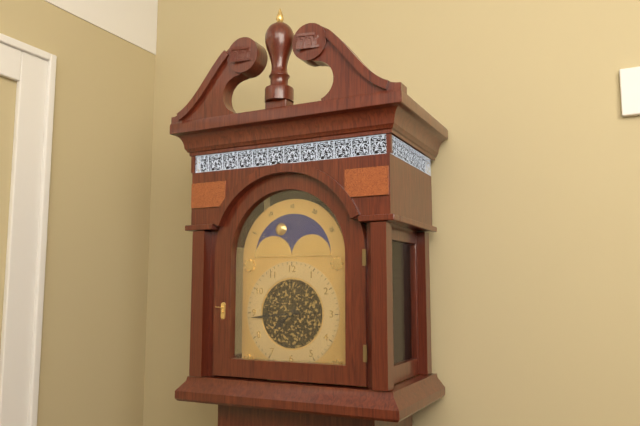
{"hour": 7, "minute": 44}
